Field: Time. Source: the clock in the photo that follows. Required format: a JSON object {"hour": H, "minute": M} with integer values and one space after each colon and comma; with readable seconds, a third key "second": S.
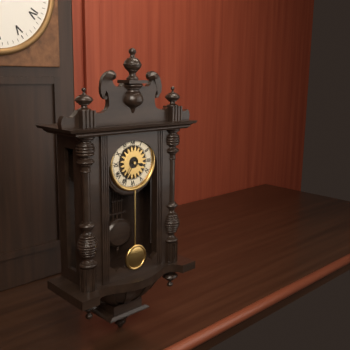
{"hour": 3, "minute": 36}
